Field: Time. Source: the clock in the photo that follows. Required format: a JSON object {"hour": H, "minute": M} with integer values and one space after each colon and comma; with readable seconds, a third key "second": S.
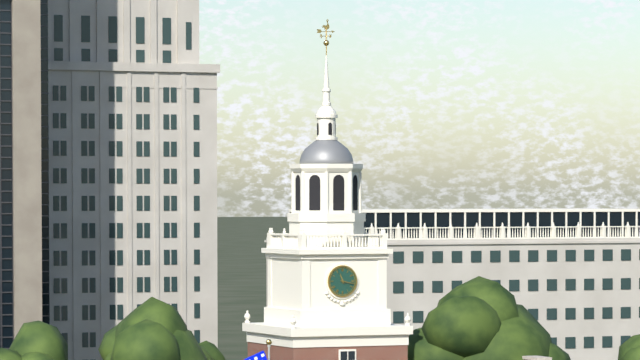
{"hour": 11, "minute": 17}
